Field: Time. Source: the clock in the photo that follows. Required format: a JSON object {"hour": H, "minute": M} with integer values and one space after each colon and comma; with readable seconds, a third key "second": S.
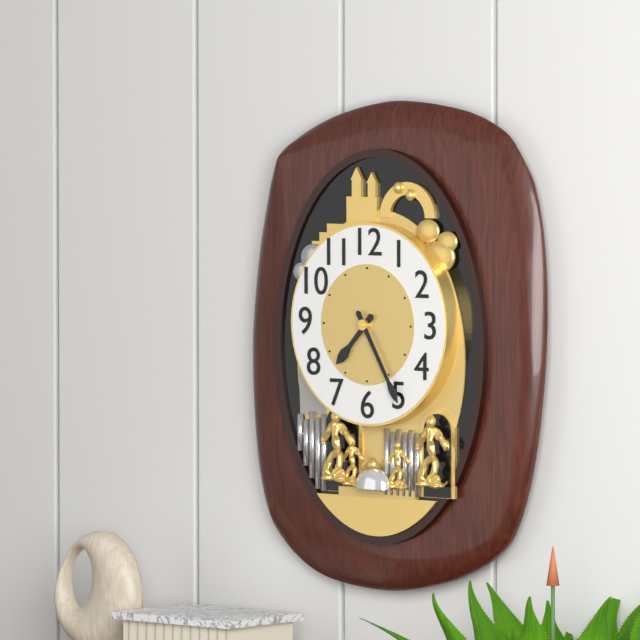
{"hour": 7, "minute": 25}
